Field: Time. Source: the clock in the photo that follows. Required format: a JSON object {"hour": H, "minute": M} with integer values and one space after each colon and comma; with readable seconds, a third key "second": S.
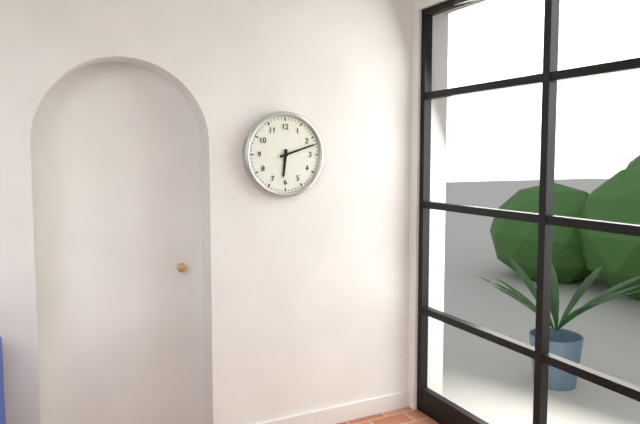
{"hour": 6, "minute": 12}
